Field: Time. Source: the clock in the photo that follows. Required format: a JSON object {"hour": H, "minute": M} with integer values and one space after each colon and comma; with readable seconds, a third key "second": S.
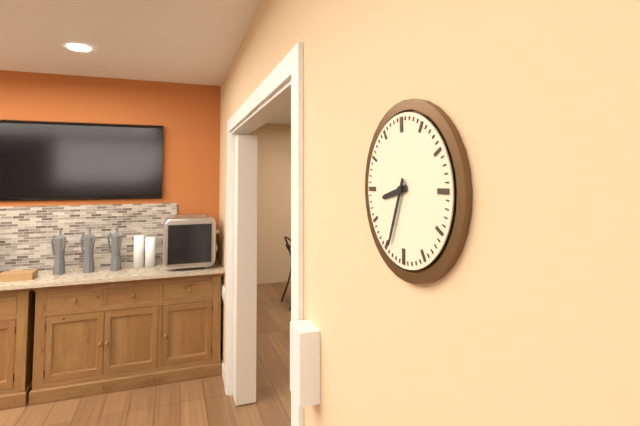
{"hour": 8, "minute": 34}
